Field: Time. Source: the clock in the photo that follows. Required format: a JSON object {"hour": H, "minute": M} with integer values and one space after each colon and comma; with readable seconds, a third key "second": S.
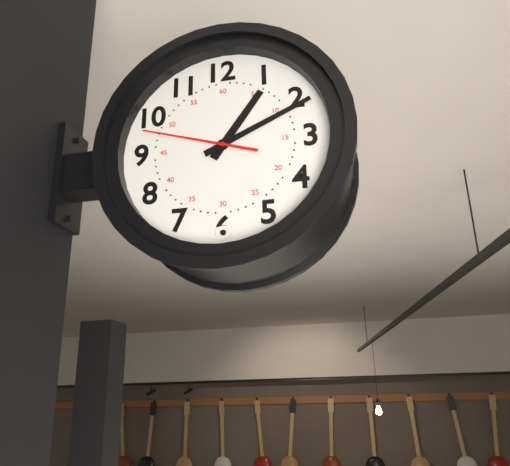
{"hour": 1, "minute": 11, "second": 48}
